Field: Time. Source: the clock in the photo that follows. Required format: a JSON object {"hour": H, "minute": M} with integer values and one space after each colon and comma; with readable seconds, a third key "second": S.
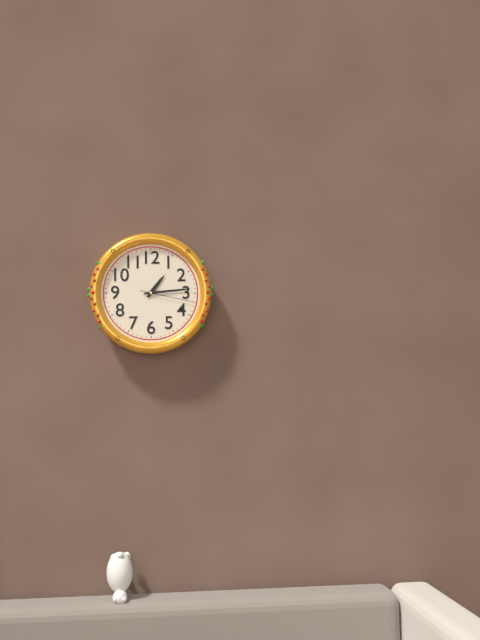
{"hour": 1, "minute": 14, "second": 17}
